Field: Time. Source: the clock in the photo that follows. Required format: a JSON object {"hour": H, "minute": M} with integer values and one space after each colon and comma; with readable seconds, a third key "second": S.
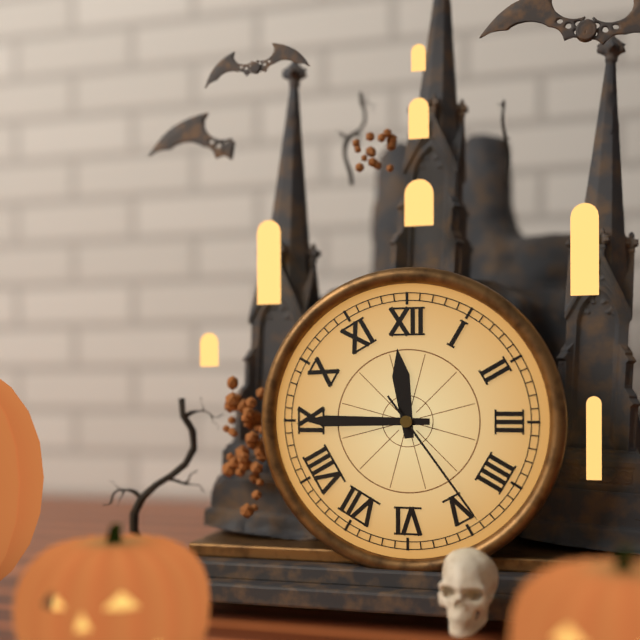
{"hour": 11, "minute": 45, "second": 24}
